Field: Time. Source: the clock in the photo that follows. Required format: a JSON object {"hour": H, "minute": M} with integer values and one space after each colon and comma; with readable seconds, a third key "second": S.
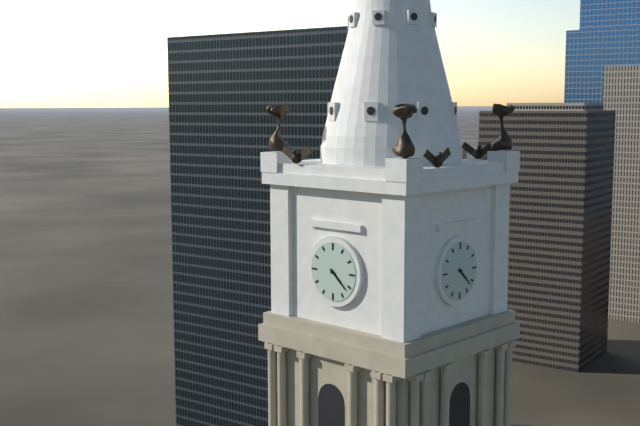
{"hour": 4, "minute": 22}
